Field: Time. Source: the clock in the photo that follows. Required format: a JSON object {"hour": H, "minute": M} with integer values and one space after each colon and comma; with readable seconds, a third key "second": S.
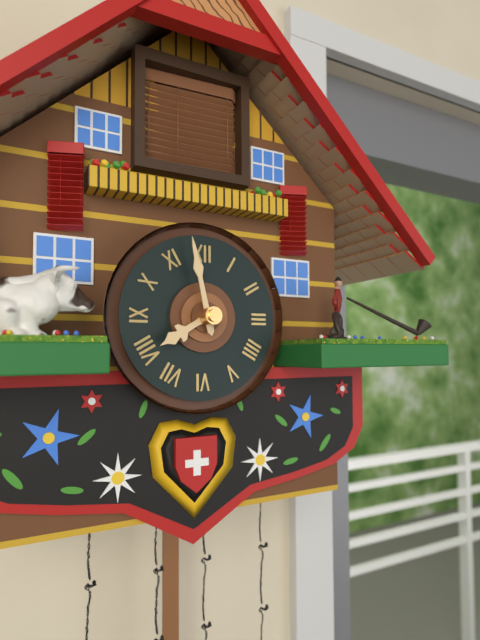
{"hour": 7, "minute": 58}
